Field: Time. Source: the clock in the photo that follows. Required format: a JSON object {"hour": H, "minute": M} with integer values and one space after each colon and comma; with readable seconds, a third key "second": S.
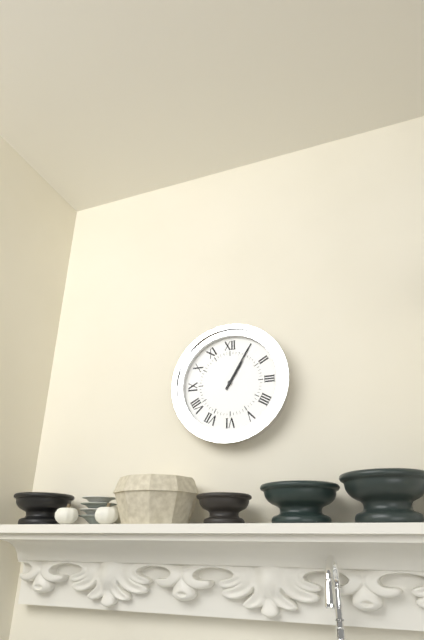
{"hour": 1, "minute": 5}
